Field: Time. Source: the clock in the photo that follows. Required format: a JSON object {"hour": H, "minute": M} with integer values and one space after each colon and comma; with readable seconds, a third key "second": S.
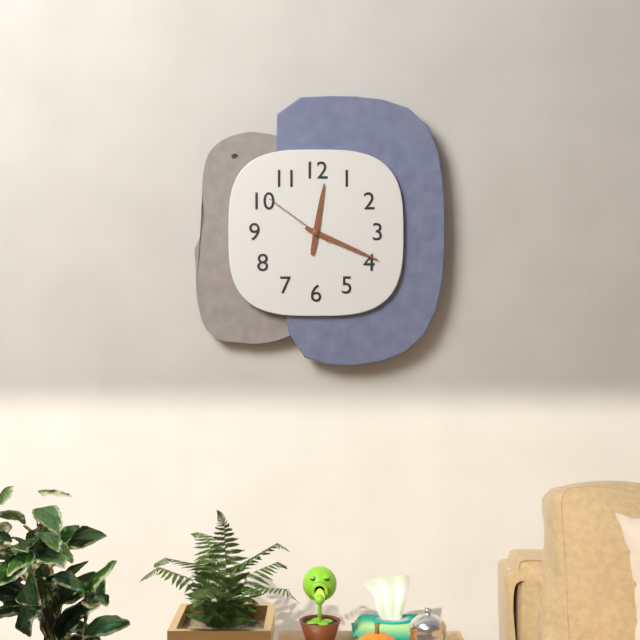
{"hour": 12, "minute": 19, "second": 51}
